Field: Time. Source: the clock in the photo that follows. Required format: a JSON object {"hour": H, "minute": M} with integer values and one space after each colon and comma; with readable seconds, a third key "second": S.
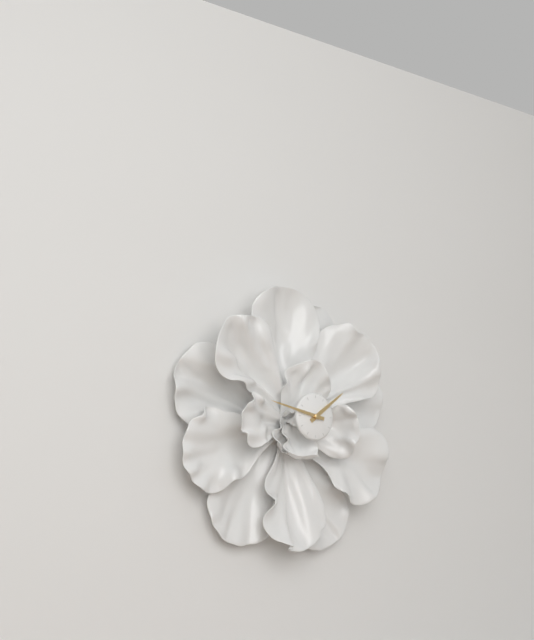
{"hour": 1, "minute": 47}
